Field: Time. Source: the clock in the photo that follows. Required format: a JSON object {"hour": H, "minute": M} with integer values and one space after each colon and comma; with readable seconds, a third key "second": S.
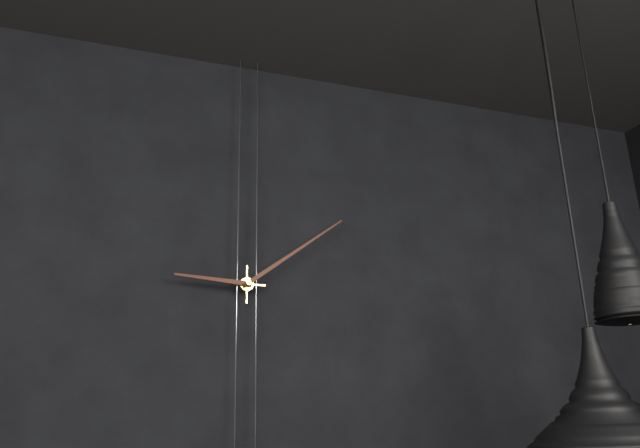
{"hour": 9, "minute": 9}
